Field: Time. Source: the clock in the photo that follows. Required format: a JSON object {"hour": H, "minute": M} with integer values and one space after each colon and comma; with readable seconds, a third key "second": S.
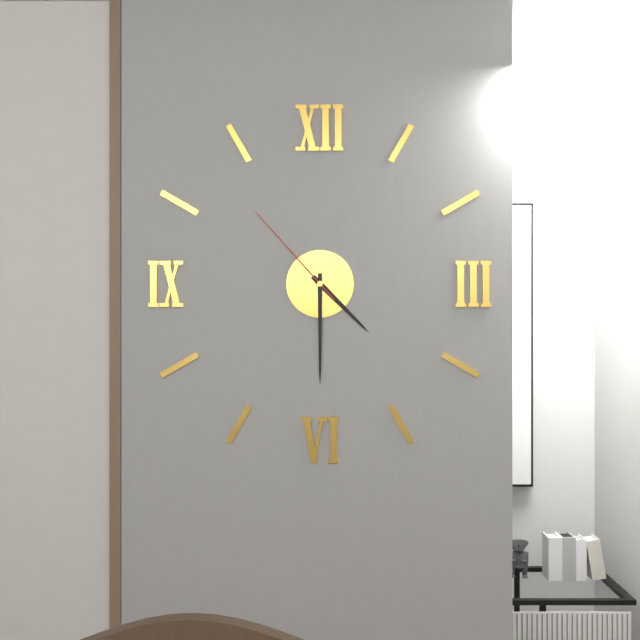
{"hour": 4, "minute": 30, "second": 53}
